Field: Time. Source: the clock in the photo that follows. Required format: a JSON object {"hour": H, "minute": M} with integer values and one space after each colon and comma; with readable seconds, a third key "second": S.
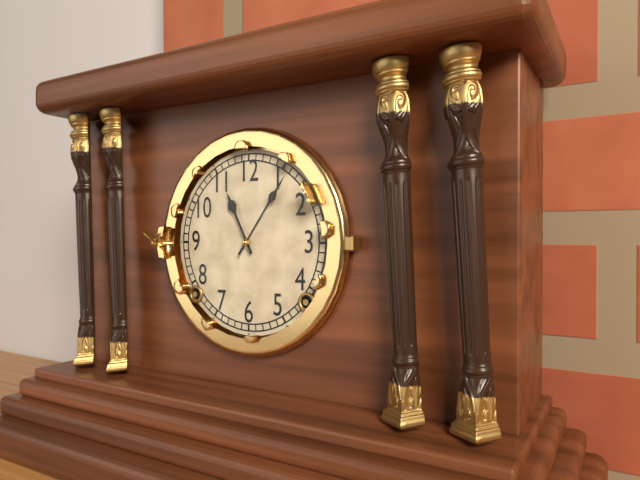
{"hour": 11, "minute": 6}
